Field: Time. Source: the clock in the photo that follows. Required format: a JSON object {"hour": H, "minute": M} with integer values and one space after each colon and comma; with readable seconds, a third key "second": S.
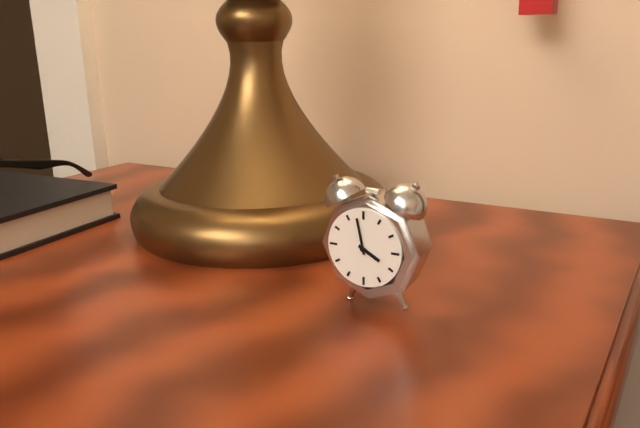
{"hour": 3, "minute": 58}
